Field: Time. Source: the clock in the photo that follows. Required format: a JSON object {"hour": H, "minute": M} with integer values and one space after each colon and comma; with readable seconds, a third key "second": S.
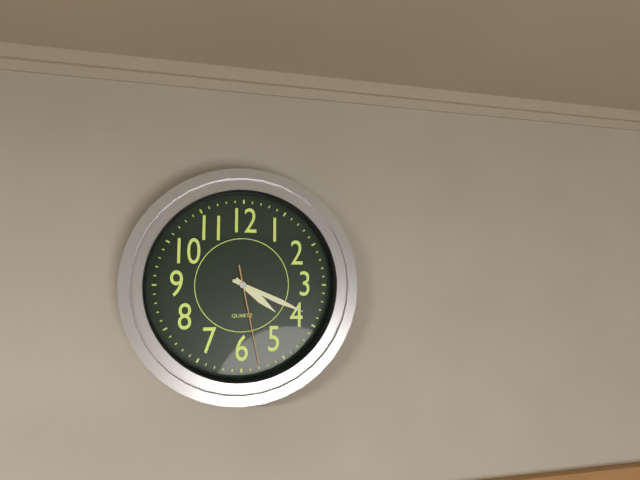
{"hour": 4, "minute": 19, "second": 28}
